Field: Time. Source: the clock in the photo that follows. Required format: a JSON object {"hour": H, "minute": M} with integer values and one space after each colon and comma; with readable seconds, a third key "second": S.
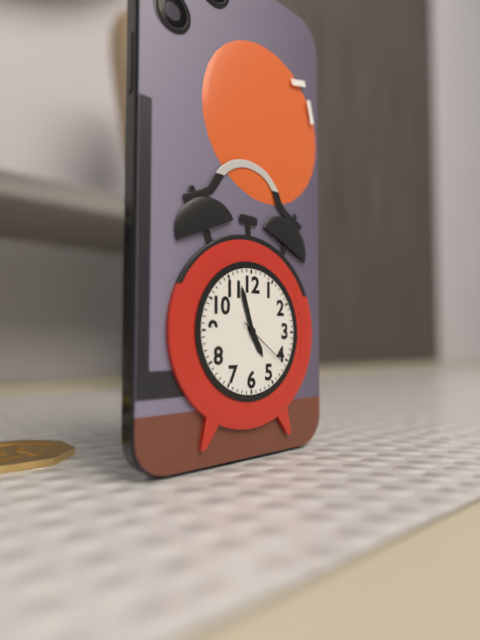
{"hour": 4, "minute": 57, "second": 21}
